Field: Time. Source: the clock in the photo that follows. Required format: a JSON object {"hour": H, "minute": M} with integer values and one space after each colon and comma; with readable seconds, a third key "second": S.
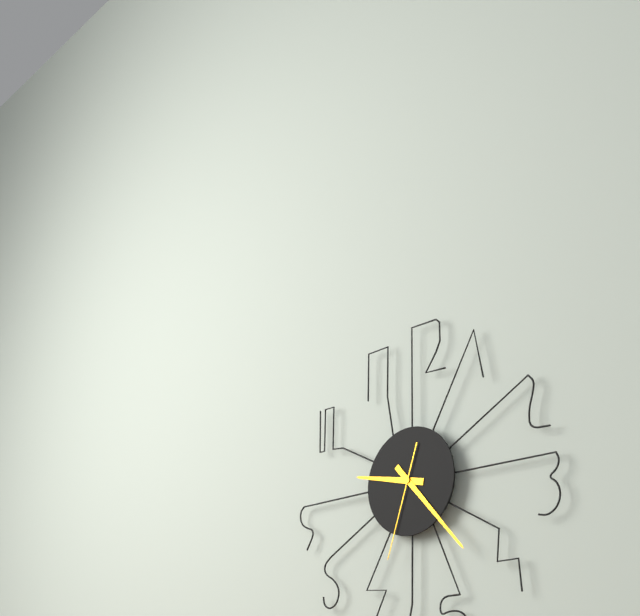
{"hour": 9, "minute": 23, "second": 33}
